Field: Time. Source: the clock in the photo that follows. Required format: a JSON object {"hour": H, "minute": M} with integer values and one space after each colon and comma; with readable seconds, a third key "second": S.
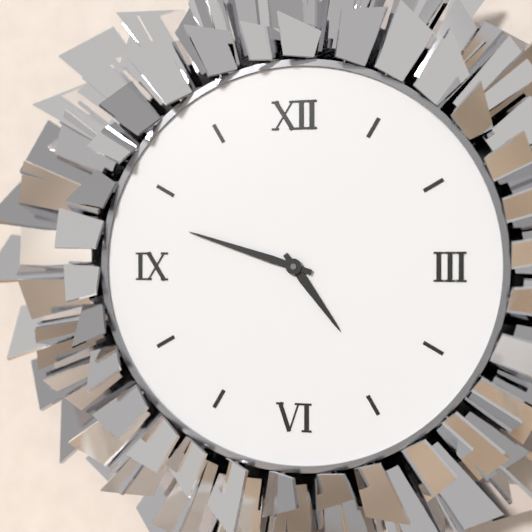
{"hour": 4, "minute": 48}
